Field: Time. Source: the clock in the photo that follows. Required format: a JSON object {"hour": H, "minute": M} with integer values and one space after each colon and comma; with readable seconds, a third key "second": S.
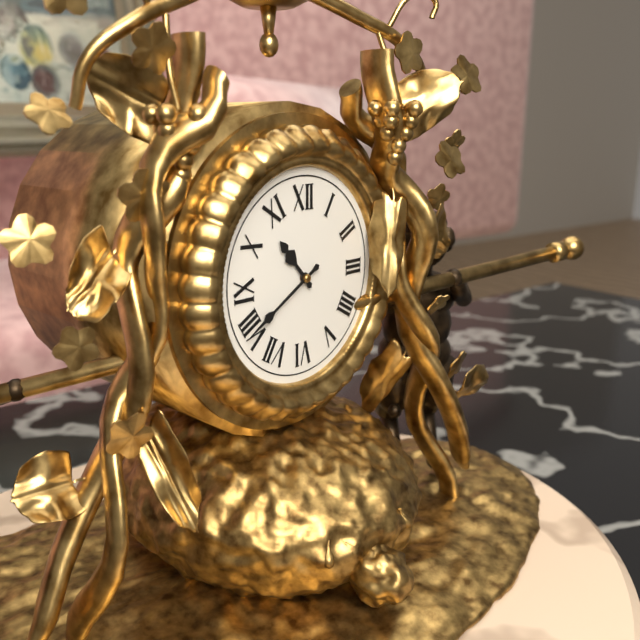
{"hour": 10, "minute": 40}
